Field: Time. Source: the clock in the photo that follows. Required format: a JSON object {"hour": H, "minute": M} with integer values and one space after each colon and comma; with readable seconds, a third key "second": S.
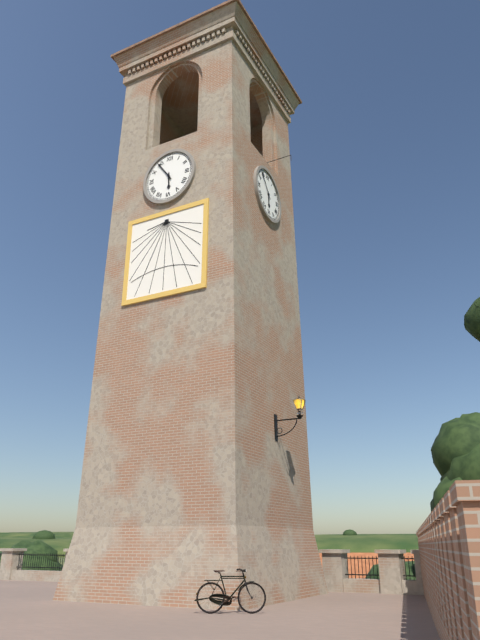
{"hour": 5, "minute": 54}
